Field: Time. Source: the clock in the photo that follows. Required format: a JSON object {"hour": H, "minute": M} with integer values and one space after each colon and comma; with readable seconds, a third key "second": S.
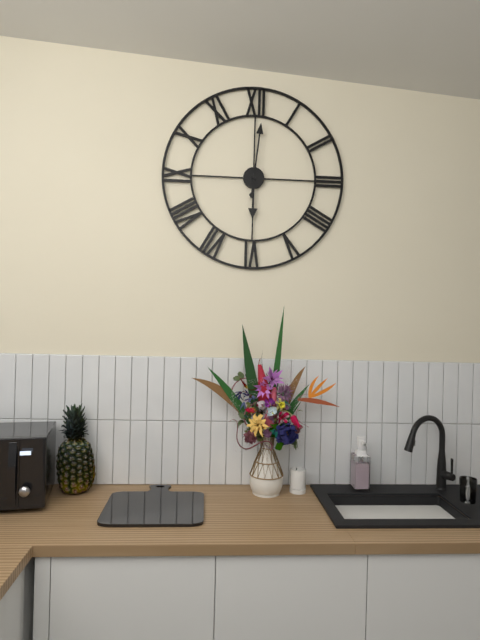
{"hour": 6, "minute": 1}
